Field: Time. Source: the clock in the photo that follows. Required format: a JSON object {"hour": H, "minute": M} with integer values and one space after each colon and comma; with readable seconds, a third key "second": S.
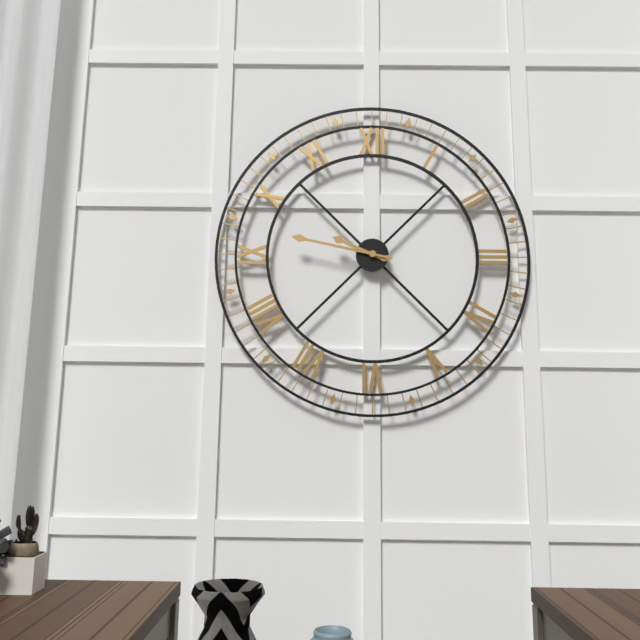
{"hour": 9, "minute": 47}
